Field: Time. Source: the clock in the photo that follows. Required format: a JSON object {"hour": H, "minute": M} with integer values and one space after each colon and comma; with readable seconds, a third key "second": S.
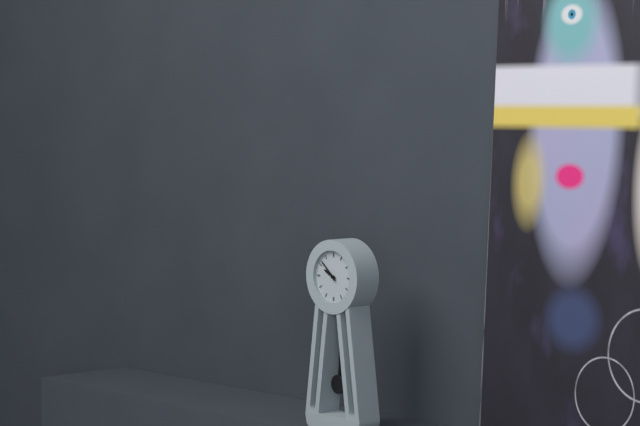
{"hour": 9, "minute": 52}
